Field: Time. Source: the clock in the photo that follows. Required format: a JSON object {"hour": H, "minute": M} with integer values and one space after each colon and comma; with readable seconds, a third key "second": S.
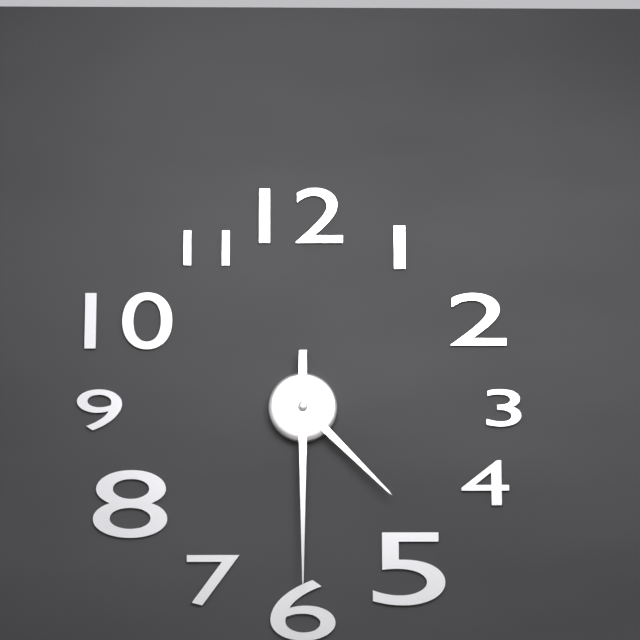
{"hour": 4, "minute": 30}
